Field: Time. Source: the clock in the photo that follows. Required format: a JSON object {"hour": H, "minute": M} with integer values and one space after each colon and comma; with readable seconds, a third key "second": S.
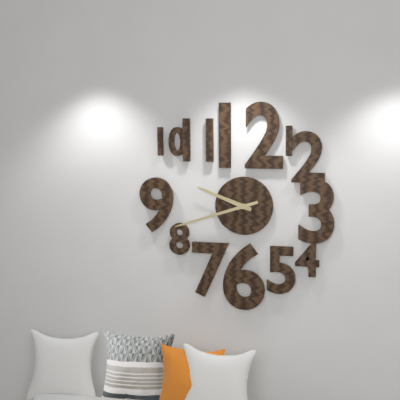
{"hour": 9, "minute": 42}
